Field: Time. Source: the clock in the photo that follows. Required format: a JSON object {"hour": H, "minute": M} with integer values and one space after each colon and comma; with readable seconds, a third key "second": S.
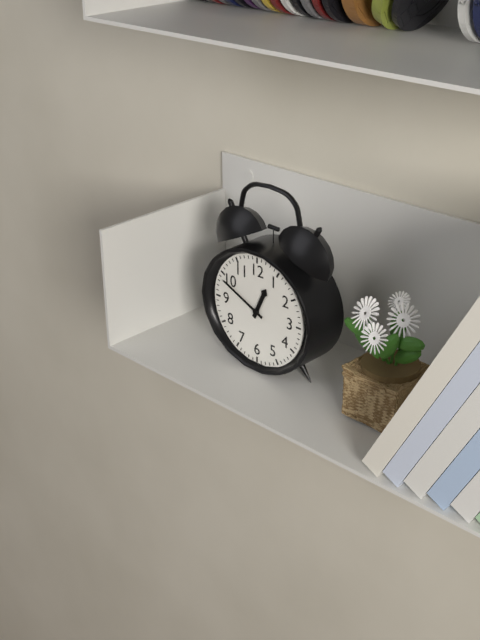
{"hour": 12, "minute": 49}
